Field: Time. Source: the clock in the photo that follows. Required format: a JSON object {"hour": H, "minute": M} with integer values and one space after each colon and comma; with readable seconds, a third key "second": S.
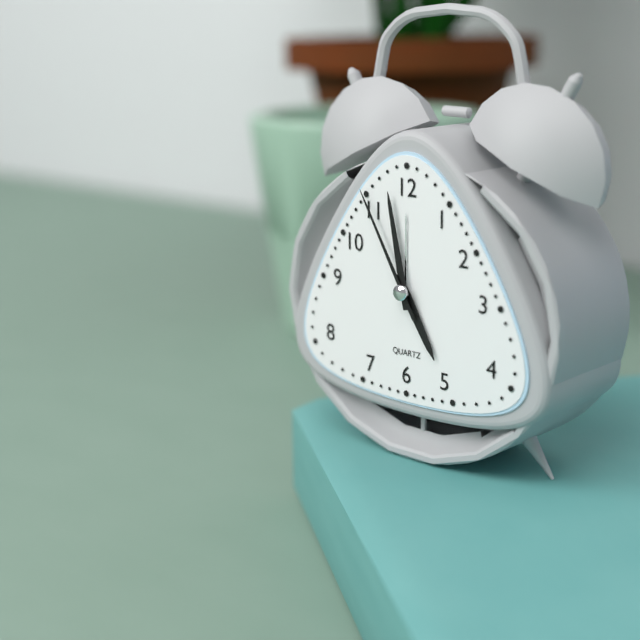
{"hour": 4, "minute": 58, "second": 55}
